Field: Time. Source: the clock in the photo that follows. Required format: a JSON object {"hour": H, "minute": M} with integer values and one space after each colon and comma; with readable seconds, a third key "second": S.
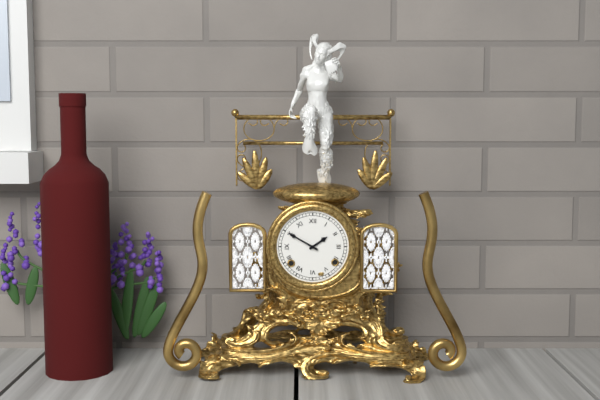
{"hour": 1, "minute": 50}
